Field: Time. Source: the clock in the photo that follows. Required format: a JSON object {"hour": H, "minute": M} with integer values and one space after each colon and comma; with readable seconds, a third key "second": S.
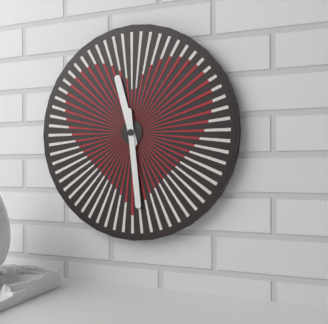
{"hour": 11, "minute": 29}
